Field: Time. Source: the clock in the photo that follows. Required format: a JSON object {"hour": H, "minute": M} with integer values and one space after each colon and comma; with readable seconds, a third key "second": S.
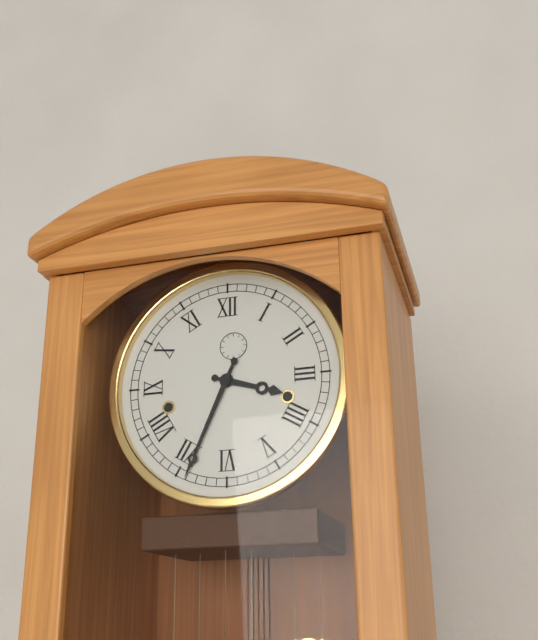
{"hour": 3, "minute": 34}
